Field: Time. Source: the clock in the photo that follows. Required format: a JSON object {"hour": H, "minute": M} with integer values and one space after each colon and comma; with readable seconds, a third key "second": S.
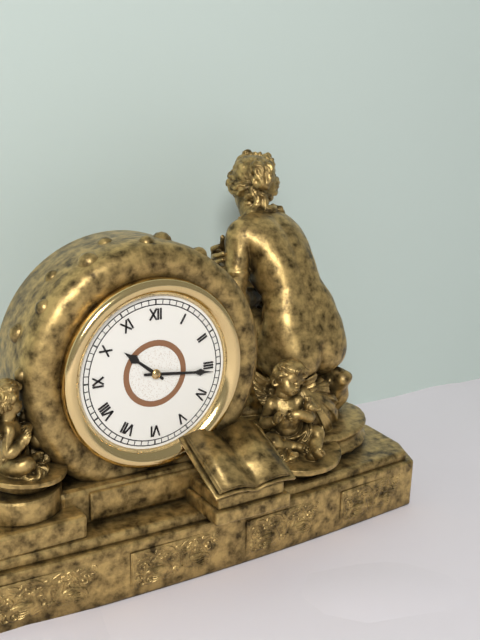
{"hour": 10, "minute": 16}
